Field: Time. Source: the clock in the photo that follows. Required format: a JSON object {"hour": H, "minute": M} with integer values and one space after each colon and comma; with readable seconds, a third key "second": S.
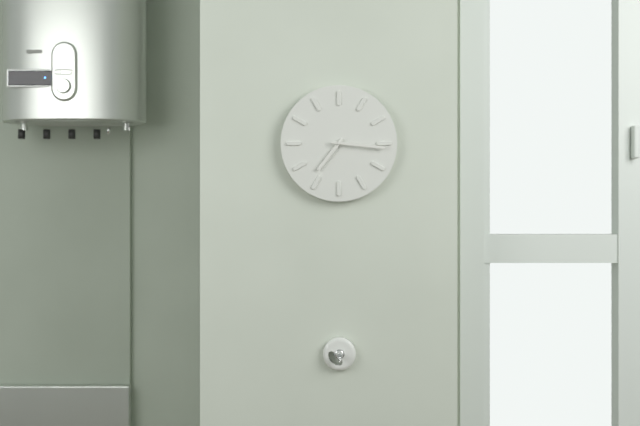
{"hour": 7, "minute": 16}
